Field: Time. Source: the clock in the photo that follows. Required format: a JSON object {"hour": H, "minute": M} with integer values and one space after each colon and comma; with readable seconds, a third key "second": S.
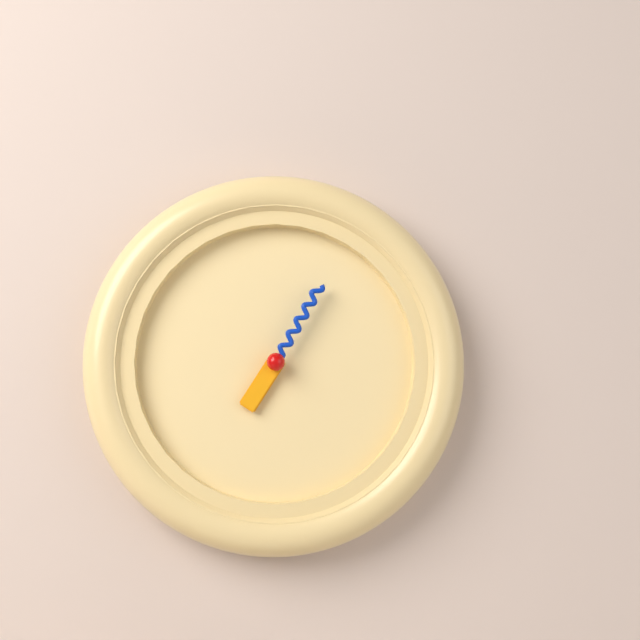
{"hour": 7, "minute": 5}
